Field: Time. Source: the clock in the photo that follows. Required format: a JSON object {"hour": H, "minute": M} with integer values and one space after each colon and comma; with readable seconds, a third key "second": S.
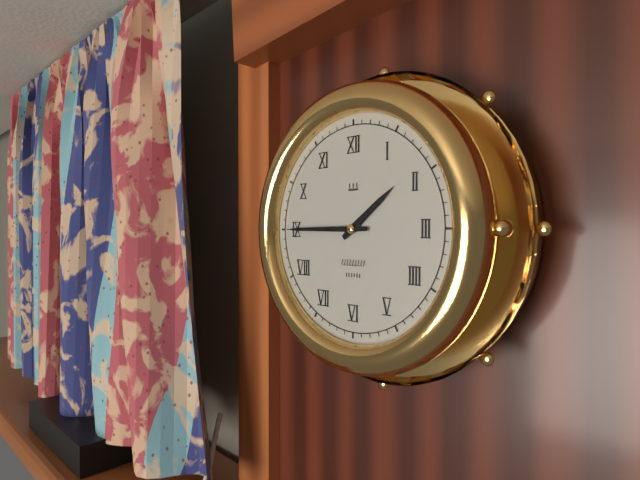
{"hour": 1, "minute": 45}
